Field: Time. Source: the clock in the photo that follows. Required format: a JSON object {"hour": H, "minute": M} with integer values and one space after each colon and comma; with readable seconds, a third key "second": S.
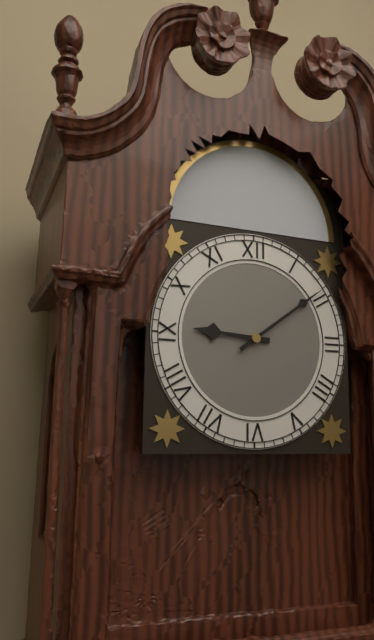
{"hour": 9, "minute": 9}
